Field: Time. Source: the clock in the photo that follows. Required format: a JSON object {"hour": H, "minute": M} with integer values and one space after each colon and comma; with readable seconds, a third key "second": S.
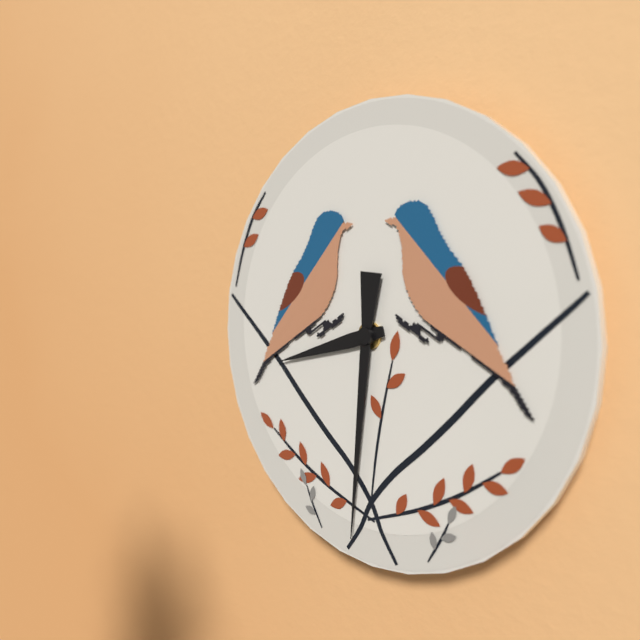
{"hour": 8, "minute": 31}
